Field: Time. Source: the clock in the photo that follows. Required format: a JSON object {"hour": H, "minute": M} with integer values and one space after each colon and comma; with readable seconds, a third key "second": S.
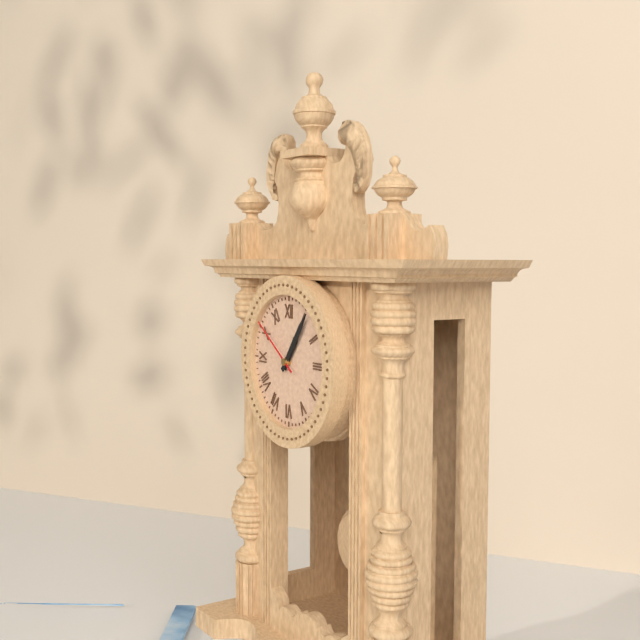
{"hour": 1, "minute": 6, "second": 51}
